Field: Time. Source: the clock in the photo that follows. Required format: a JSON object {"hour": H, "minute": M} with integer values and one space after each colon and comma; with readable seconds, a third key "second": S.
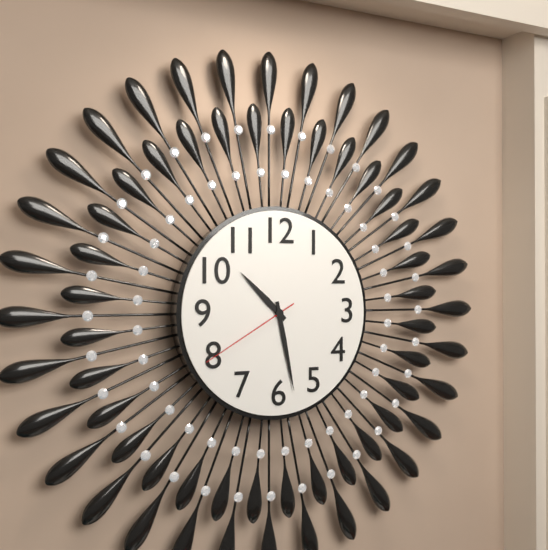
{"hour": 10, "minute": 28, "second": 40}
